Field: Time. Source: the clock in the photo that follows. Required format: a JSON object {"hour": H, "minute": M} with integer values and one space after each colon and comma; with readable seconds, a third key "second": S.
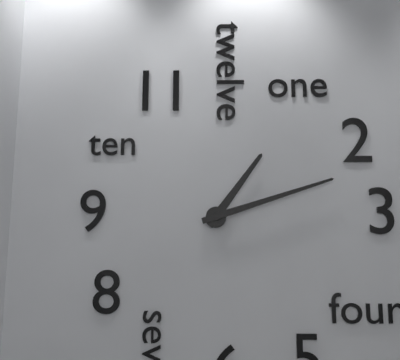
{"hour": 1, "minute": 12}
